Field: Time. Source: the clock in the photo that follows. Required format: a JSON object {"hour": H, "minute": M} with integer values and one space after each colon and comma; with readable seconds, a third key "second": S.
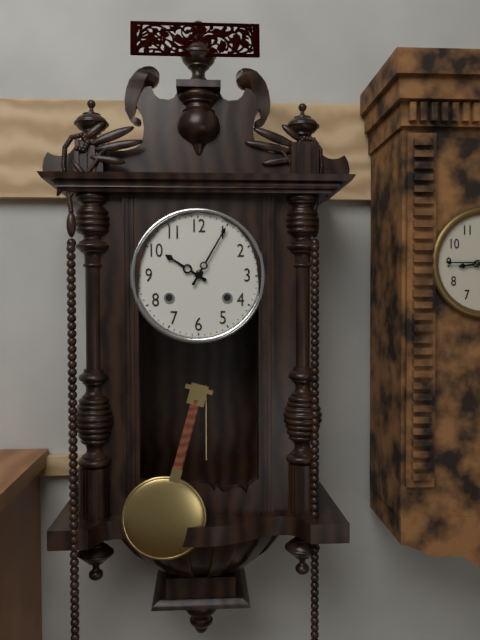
{"hour": 10, "minute": 5}
